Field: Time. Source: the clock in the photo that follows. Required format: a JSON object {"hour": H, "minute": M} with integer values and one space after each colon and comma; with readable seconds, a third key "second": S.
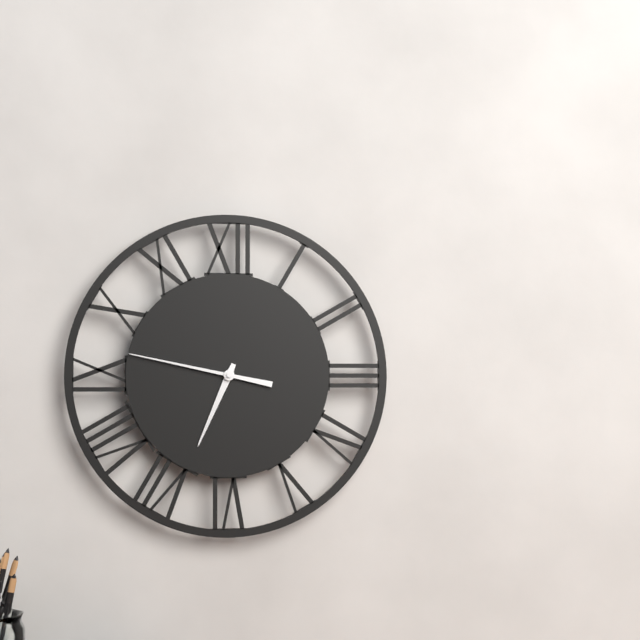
{"hour": 6, "minute": 47}
